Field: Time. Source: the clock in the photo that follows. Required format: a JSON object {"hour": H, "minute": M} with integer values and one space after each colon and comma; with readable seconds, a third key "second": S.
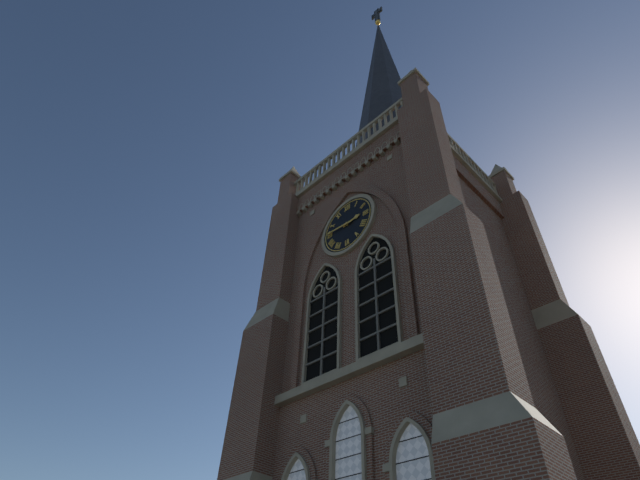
{"hour": 2, "minute": 46}
